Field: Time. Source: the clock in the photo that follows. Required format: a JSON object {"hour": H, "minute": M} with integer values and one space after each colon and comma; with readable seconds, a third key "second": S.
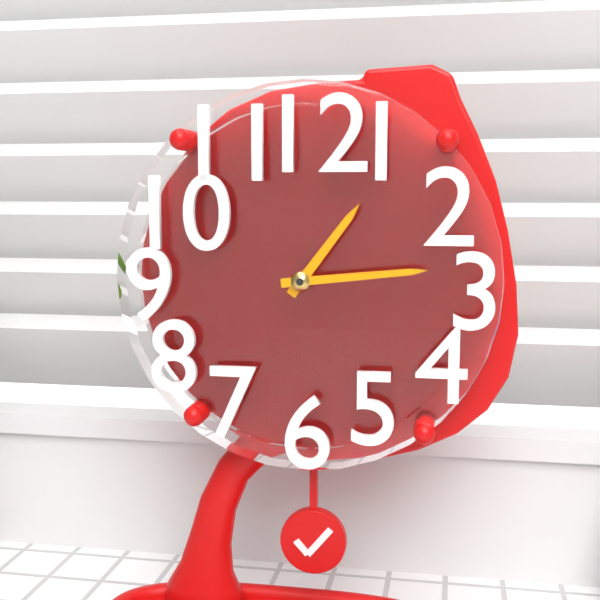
{"hour": 1, "minute": 14}
